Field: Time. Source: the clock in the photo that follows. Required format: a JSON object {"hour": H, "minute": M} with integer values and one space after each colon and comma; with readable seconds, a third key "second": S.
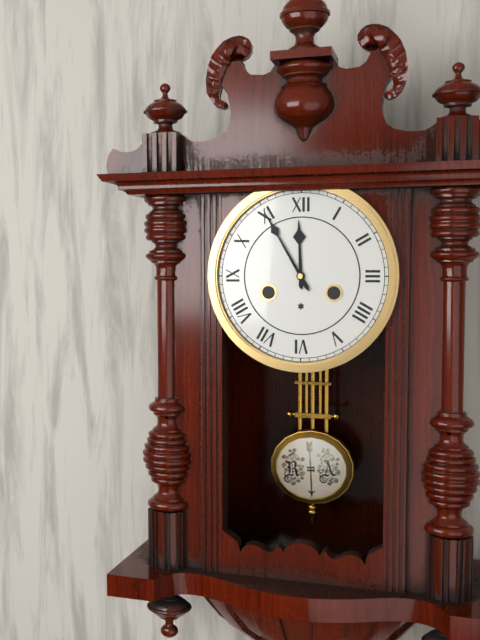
{"hour": 11, "minute": 55}
